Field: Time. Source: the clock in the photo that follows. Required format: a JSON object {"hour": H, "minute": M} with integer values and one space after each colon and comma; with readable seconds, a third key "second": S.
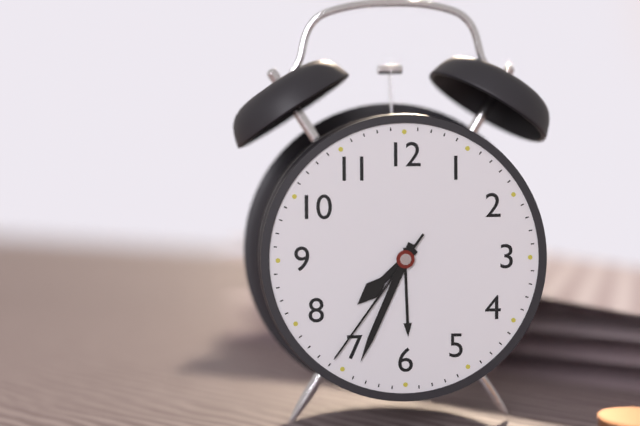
{"hour": 7, "minute": 34, "second": 36}
